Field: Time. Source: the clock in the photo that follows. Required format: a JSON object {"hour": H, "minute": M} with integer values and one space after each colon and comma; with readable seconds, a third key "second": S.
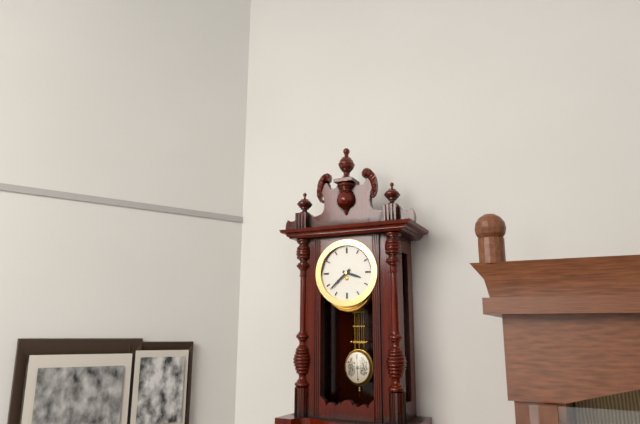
{"hour": 3, "minute": 38}
